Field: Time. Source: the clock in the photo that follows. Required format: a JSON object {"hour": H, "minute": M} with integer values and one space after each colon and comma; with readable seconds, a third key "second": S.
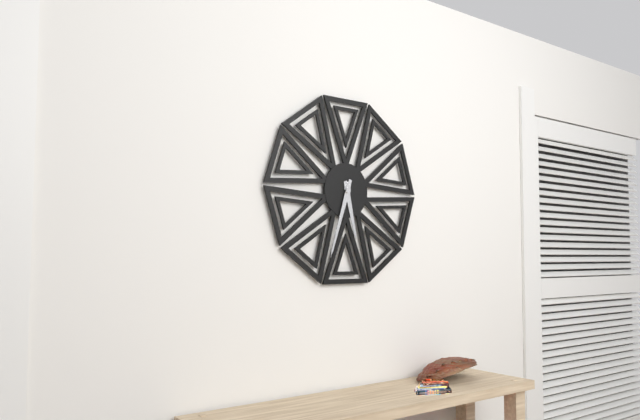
{"hour": 5, "minute": 33}
